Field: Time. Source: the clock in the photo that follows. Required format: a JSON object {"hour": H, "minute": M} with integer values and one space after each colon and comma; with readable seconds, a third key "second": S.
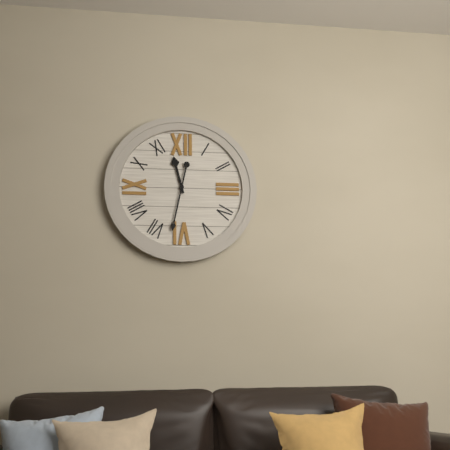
{"hour": 11, "minute": 32}
